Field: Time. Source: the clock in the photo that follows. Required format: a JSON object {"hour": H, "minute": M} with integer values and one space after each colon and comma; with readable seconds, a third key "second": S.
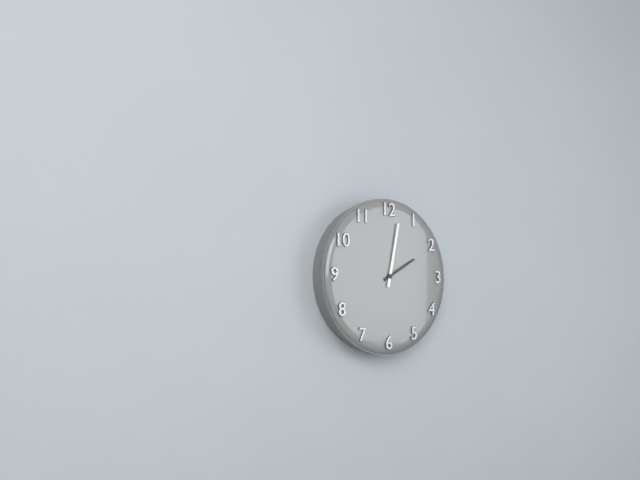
{"hour": 2, "minute": 2}
